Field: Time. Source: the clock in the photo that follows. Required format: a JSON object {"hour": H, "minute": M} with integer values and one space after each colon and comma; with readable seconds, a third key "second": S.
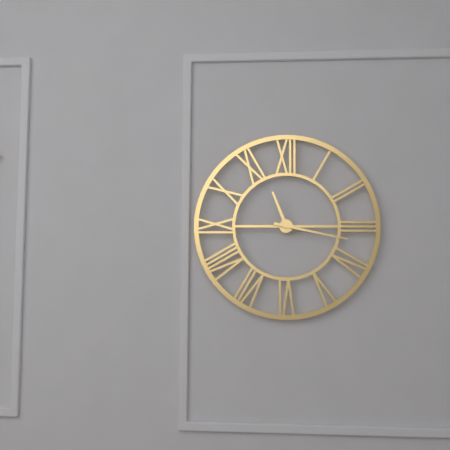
{"hour": 11, "minute": 17}
